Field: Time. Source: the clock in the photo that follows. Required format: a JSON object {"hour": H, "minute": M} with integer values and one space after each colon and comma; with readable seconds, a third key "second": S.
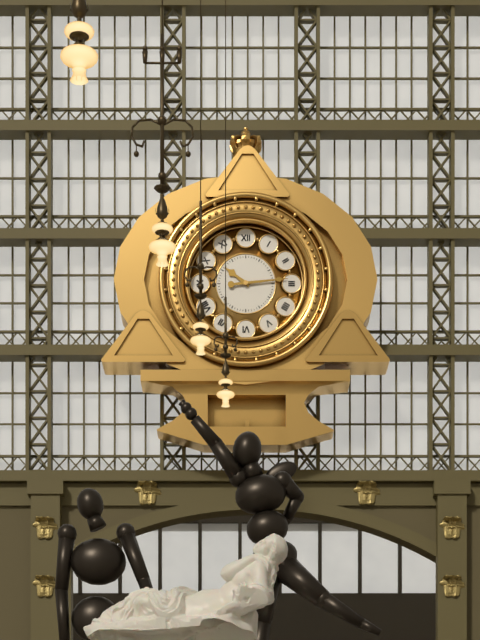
{"hour": 10, "minute": 14}
